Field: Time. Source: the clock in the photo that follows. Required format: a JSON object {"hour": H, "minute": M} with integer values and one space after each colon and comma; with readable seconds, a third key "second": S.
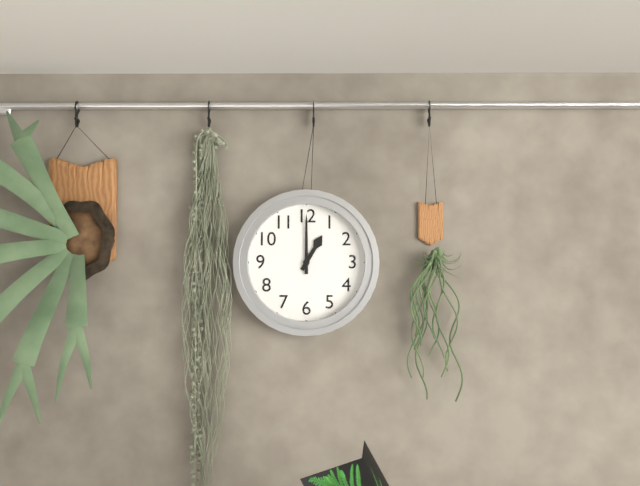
{"hour": 1, "minute": 0}
